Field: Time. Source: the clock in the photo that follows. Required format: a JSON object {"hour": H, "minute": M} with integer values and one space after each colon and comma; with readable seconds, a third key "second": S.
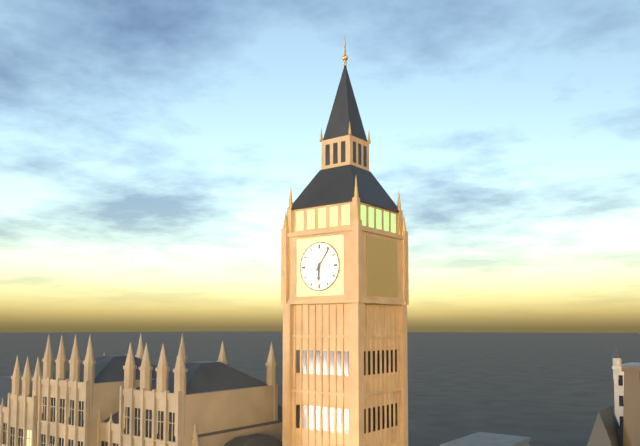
{"hour": 6, "minute": 6}
